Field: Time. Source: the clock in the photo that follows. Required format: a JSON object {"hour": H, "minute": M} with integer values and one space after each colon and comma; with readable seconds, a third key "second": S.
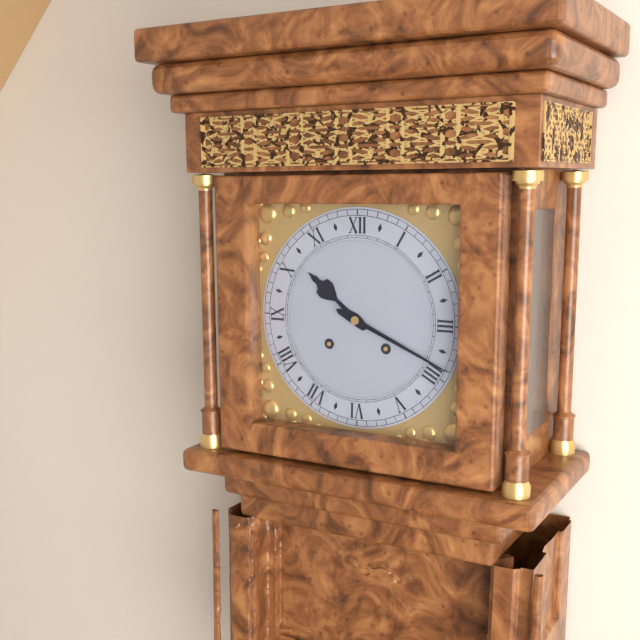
{"hour": 10, "minute": 19}
